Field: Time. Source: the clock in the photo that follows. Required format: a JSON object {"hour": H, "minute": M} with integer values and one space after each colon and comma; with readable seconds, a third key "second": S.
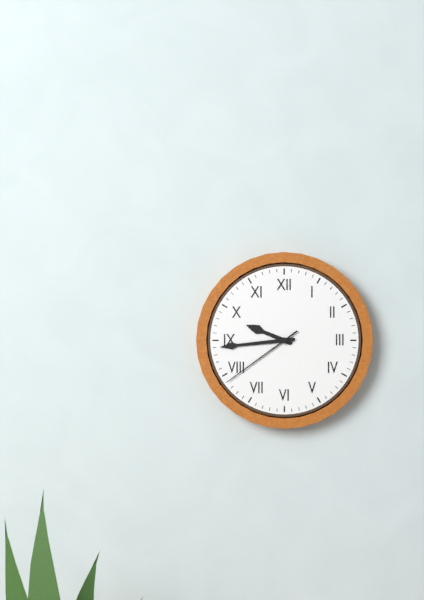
{"hour": 9, "minute": 44, "second": 39}
